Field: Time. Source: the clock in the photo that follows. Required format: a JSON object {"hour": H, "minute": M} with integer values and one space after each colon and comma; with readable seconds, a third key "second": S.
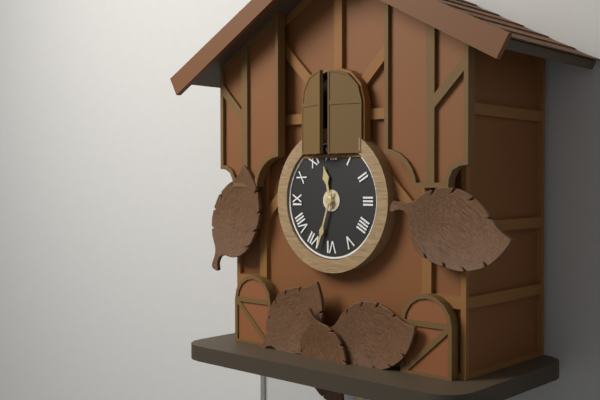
{"hour": 11, "minute": 33}
